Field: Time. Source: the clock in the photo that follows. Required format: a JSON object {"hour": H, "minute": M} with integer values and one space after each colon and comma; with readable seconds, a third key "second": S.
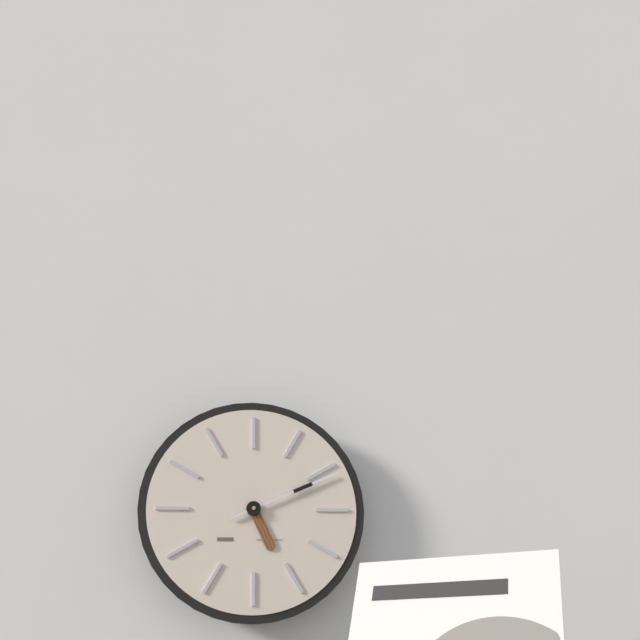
{"hour": 5, "minute": 11}
